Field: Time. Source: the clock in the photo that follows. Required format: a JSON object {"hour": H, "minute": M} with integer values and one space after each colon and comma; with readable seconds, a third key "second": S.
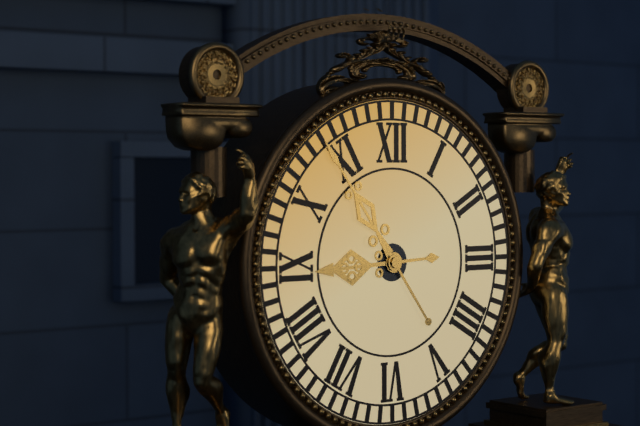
{"hour": 8, "minute": 54}
